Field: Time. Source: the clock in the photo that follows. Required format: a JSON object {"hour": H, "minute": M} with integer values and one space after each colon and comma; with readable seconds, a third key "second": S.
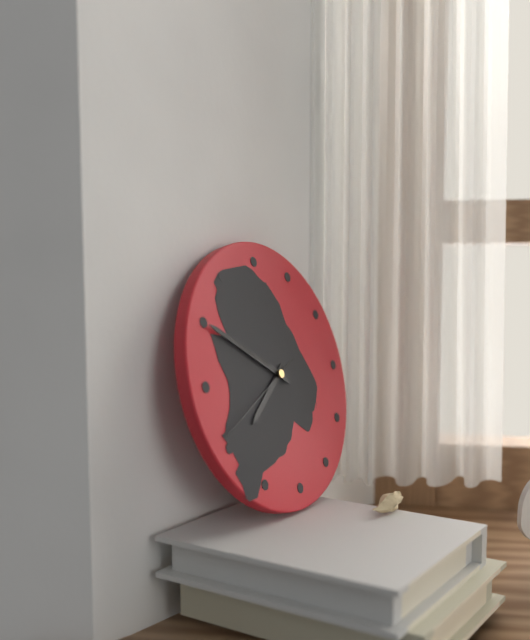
{"hour": 7, "minute": 50, "second": 41}
